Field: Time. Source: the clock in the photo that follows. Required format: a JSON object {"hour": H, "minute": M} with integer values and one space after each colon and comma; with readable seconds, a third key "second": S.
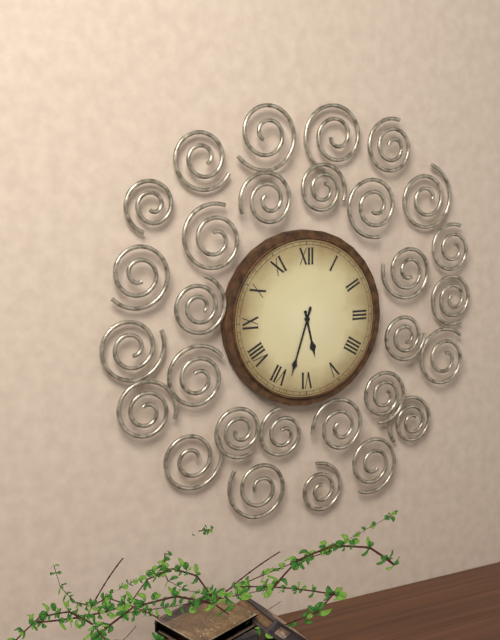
{"hour": 5, "minute": 33}
